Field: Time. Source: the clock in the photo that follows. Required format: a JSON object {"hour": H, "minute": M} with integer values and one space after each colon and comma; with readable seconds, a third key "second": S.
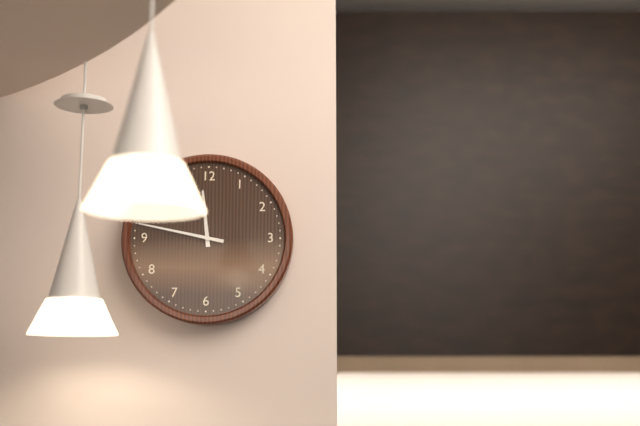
{"hour": 11, "minute": 47}
